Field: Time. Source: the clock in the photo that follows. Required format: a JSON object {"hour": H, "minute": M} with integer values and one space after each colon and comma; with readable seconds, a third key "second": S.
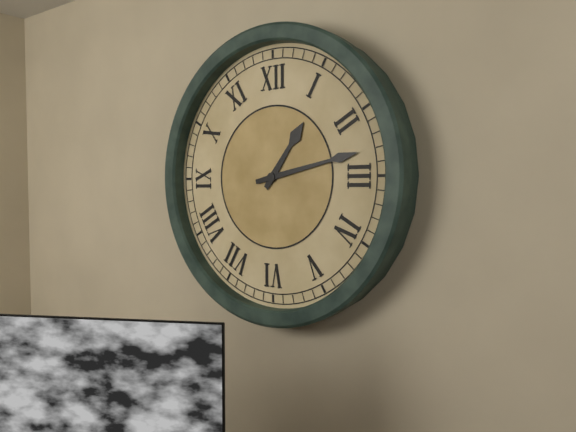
{"hour": 1, "minute": 13}
